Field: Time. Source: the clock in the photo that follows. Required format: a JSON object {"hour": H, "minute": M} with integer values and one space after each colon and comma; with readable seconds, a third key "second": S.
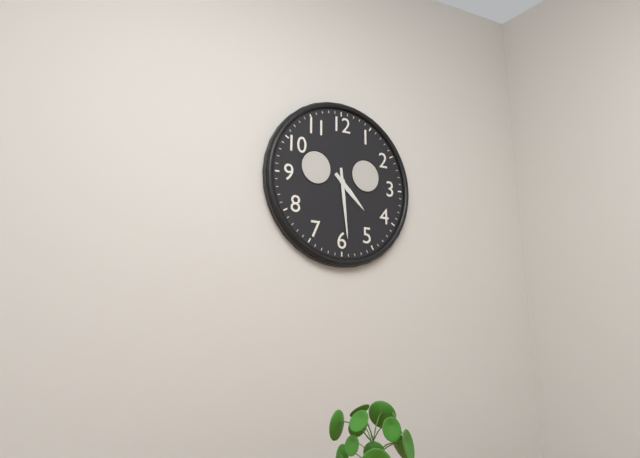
{"hour": 4, "minute": 29}
